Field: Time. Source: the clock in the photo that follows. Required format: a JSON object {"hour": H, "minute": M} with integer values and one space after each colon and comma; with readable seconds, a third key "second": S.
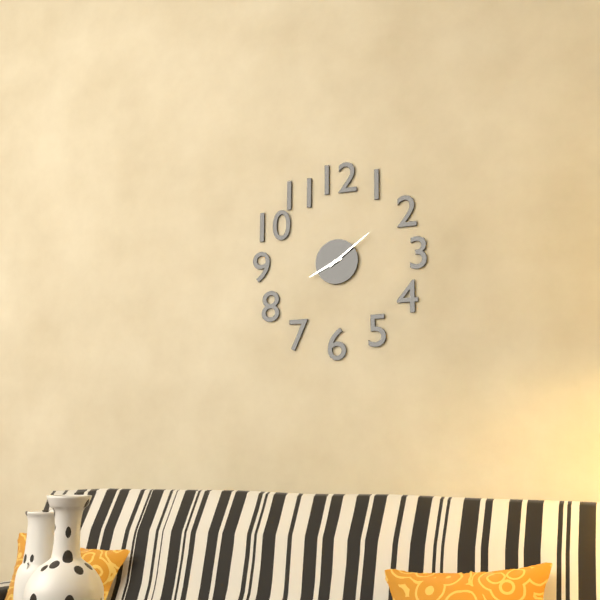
{"hour": 8, "minute": 9}
